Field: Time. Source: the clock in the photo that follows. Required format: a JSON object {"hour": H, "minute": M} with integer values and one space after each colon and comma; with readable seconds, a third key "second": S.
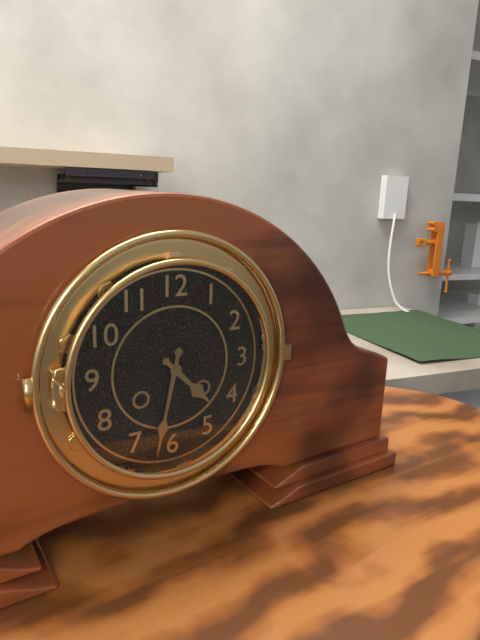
{"hour": 4, "minute": 32}
